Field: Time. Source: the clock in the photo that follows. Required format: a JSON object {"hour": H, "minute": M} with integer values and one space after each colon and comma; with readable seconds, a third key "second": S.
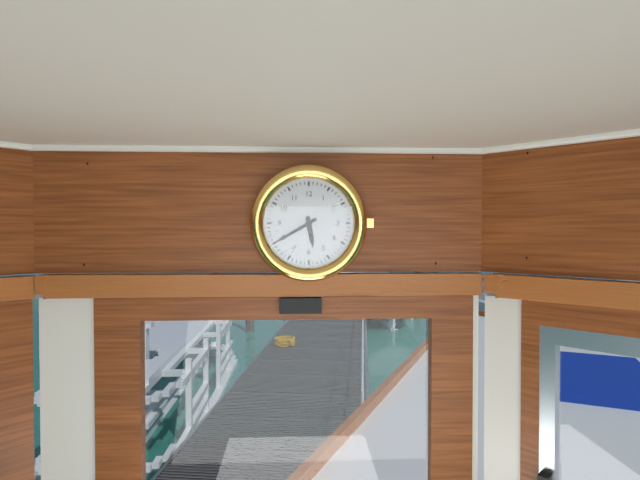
{"hour": 5, "minute": 40}
